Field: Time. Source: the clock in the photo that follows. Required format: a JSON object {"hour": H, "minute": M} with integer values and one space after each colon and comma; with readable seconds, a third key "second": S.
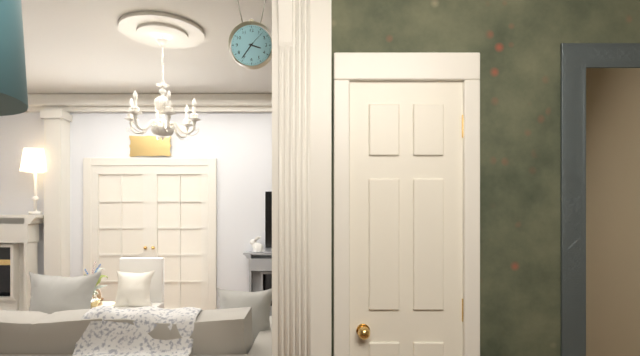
{"hour": 3, "minute": 36}
